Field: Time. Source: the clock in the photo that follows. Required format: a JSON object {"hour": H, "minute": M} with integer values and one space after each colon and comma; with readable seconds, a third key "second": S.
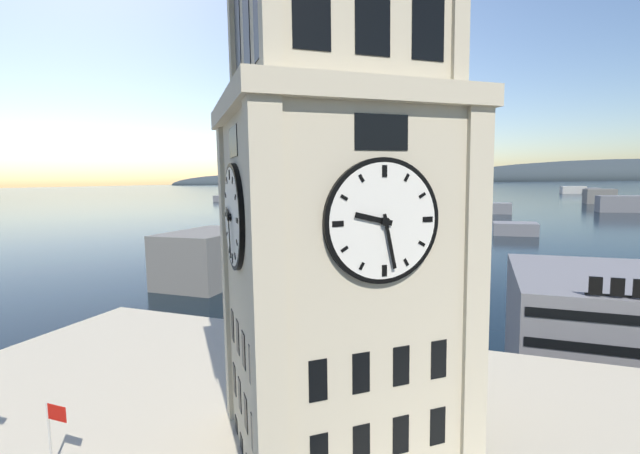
{"hour": 9, "minute": 28}
